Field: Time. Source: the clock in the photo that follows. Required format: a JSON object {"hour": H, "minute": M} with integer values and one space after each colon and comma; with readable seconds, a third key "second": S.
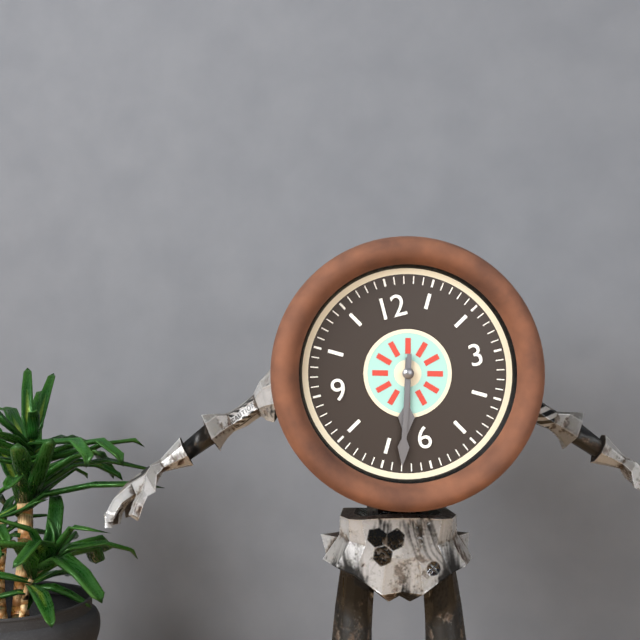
{"hour": 6, "minute": 33}
